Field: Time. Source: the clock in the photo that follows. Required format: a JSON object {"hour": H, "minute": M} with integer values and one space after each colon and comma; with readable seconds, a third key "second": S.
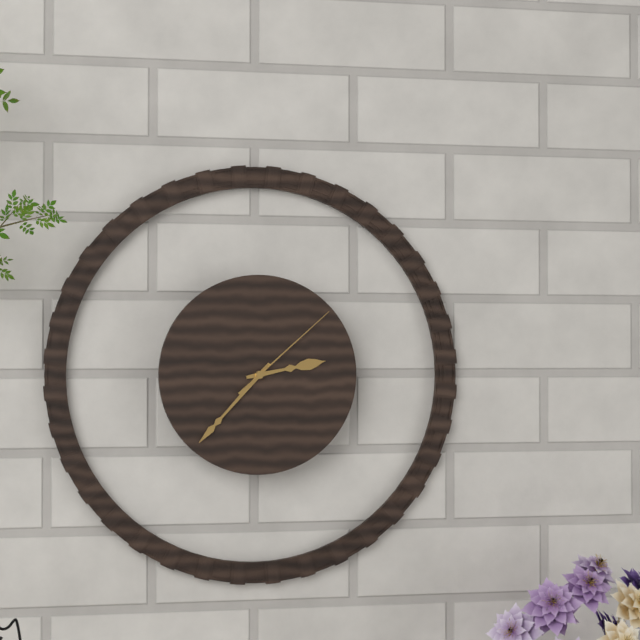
{"hour": 2, "minute": 37, "second": 8}
